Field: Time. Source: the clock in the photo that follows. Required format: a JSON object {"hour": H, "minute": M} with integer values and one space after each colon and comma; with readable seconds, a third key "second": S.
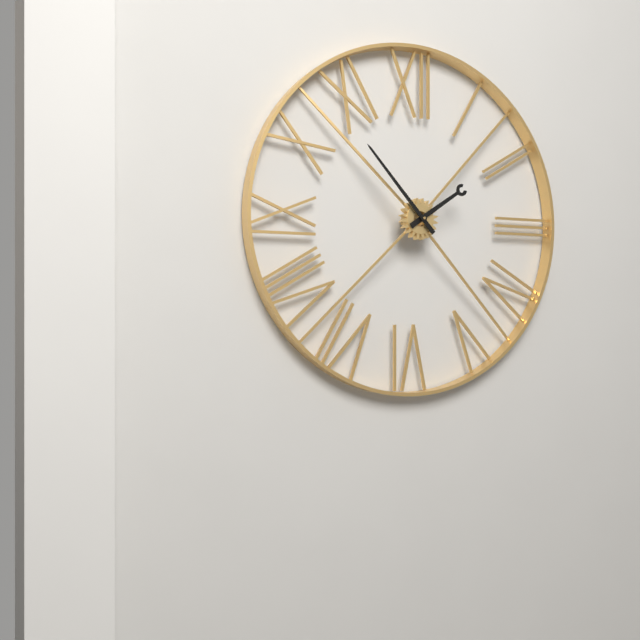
{"hour": 1, "minute": 53}
